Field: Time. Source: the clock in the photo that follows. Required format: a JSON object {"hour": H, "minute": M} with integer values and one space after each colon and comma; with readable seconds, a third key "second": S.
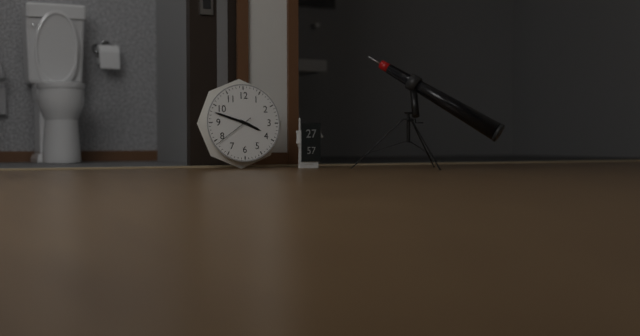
{"hour": 3, "minute": 48}
